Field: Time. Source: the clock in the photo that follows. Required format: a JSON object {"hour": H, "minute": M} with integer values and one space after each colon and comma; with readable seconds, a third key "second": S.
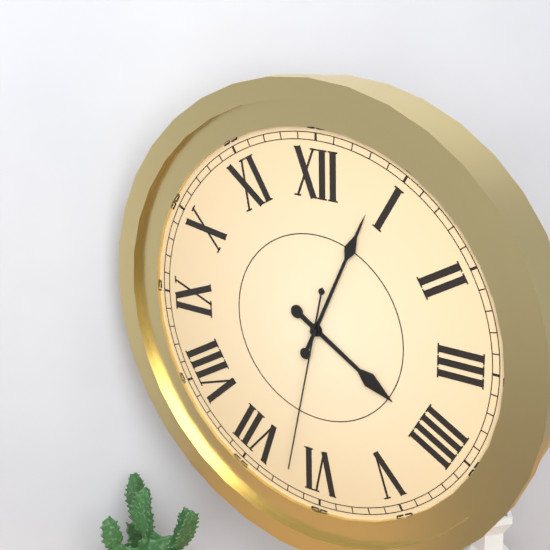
{"hour": 4, "minute": 4, "second": 32}
